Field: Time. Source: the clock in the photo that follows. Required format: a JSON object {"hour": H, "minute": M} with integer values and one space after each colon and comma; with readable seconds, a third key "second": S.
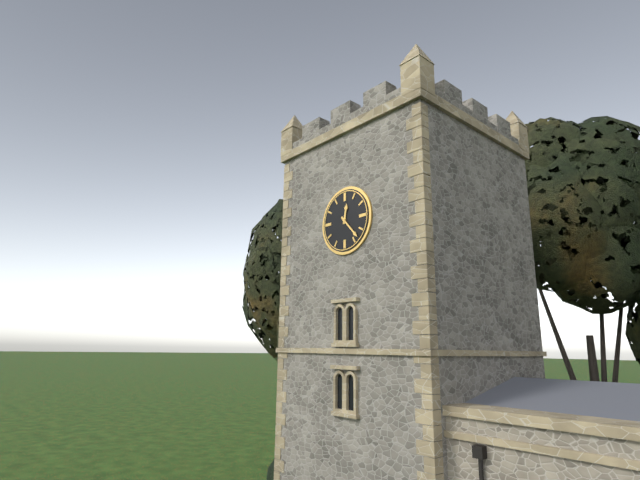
{"hour": 12, "minute": 23}
